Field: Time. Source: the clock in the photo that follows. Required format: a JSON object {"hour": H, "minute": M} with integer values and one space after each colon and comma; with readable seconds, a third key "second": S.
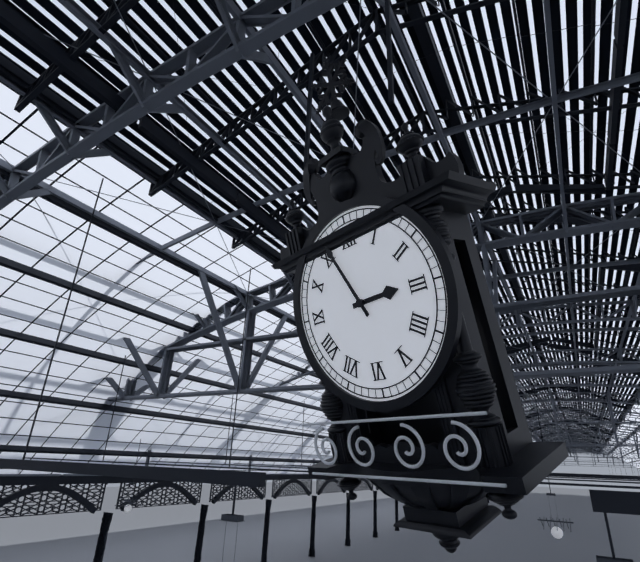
{"hour": 2, "minute": 56}
